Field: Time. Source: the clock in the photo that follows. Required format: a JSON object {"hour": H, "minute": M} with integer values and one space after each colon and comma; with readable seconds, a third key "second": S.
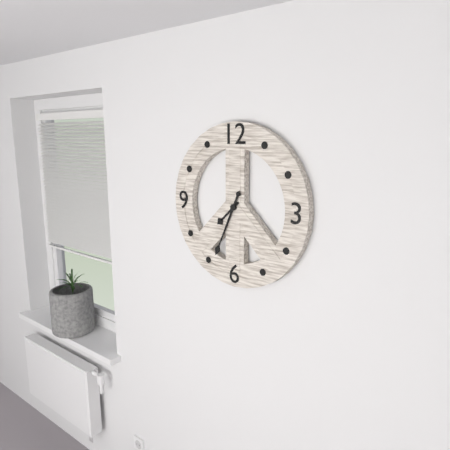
{"hour": 7, "minute": 34}
